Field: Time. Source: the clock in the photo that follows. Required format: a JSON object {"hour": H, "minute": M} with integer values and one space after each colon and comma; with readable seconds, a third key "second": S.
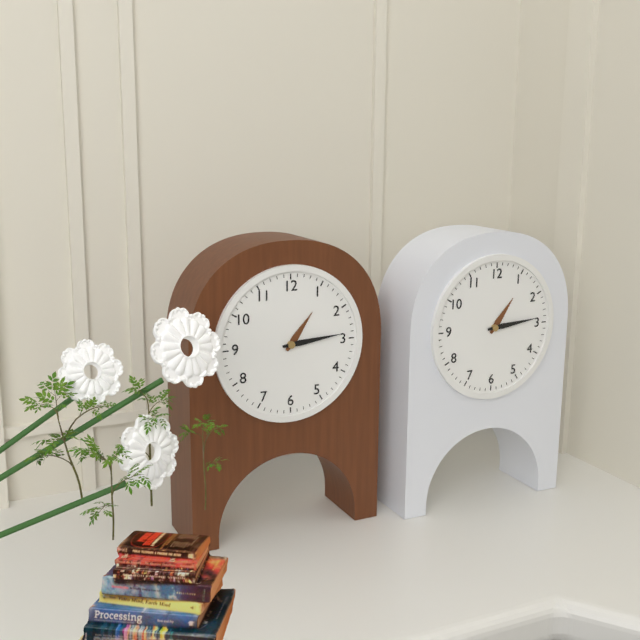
{"hour": 1, "minute": 14}
